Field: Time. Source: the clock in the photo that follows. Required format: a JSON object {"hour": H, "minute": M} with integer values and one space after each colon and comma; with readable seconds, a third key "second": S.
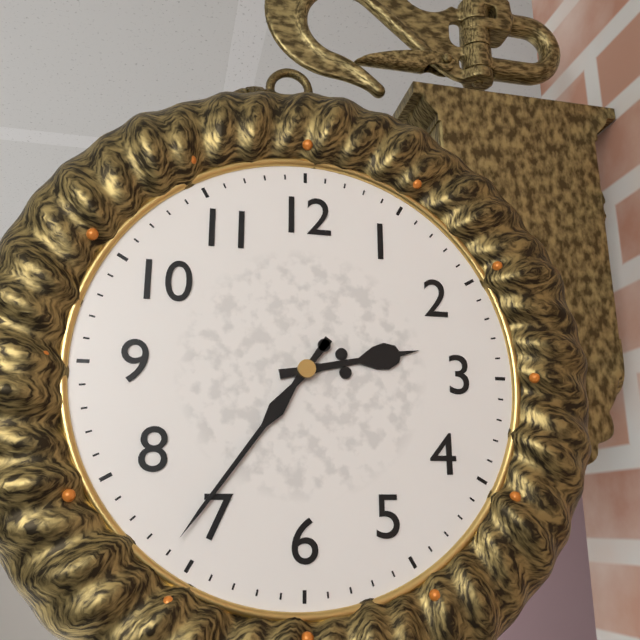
{"hour": 2, "minute": 36}
